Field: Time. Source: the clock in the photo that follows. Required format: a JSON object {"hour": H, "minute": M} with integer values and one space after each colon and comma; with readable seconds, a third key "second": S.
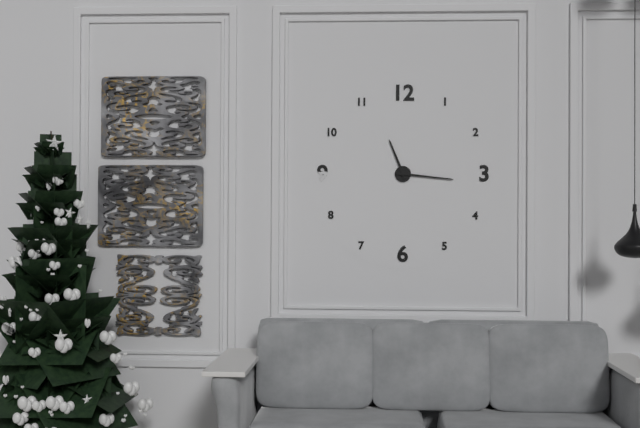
{"hour": 11, "minute": 16}
